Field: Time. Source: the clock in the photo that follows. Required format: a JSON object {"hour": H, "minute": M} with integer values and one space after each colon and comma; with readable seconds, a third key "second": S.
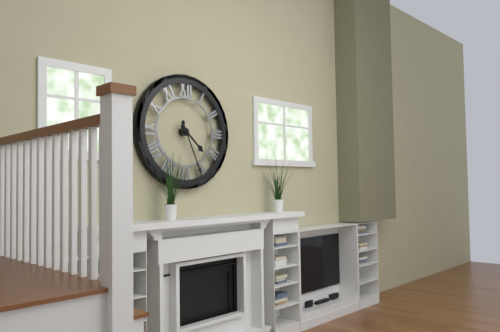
{"hour": 4, "minute": 26}
